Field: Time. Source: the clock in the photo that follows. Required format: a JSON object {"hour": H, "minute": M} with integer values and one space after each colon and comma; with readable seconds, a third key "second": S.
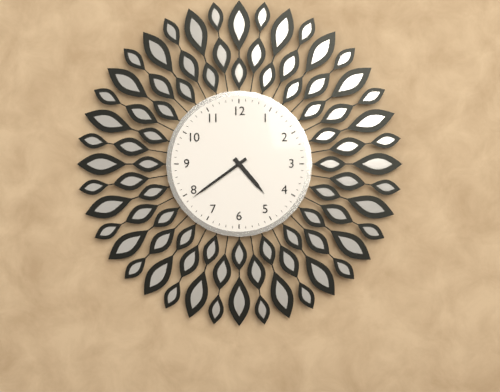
{"hour": 4, "minute": 39}
